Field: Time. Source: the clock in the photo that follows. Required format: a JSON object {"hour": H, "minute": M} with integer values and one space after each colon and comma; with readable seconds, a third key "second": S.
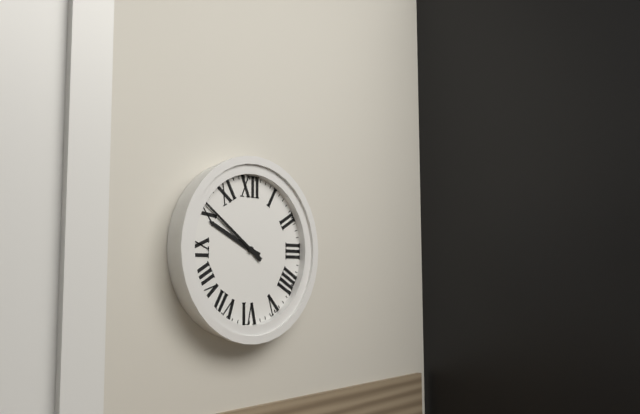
{"hour": 9, "minute": 51}
